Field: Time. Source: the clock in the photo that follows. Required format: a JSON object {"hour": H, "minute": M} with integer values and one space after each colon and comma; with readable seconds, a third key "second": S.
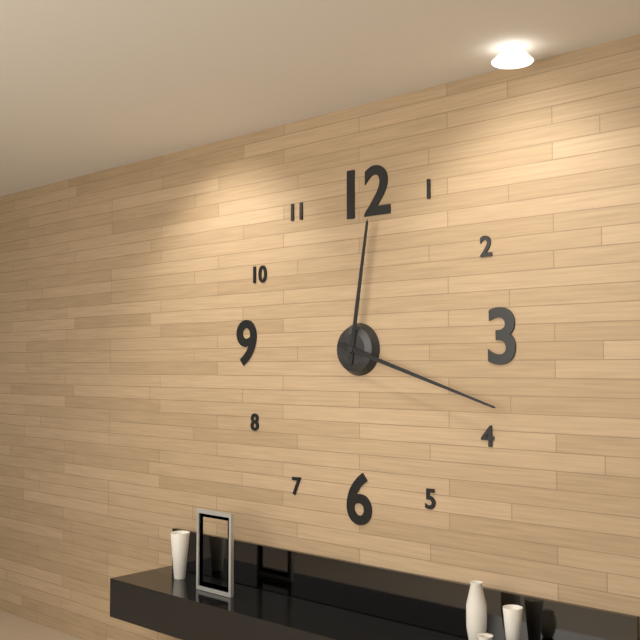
{"hour": 12, "minute": 18}
